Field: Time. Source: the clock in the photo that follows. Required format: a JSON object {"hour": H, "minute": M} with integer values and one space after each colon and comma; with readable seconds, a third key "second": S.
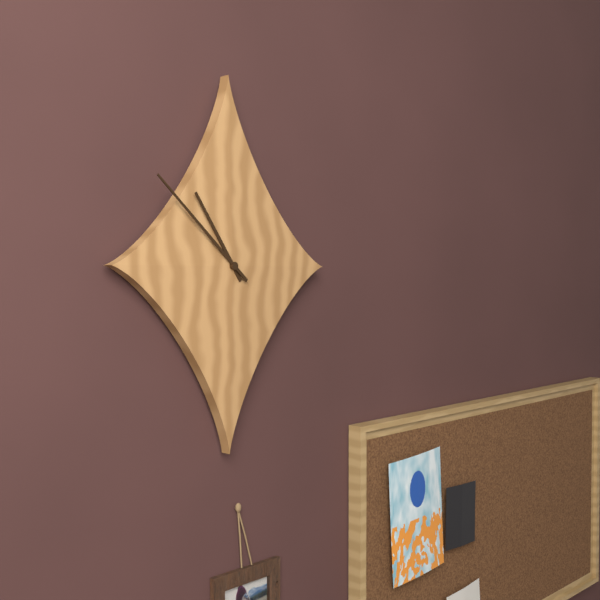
{"hour": 10, "minute": 52}
